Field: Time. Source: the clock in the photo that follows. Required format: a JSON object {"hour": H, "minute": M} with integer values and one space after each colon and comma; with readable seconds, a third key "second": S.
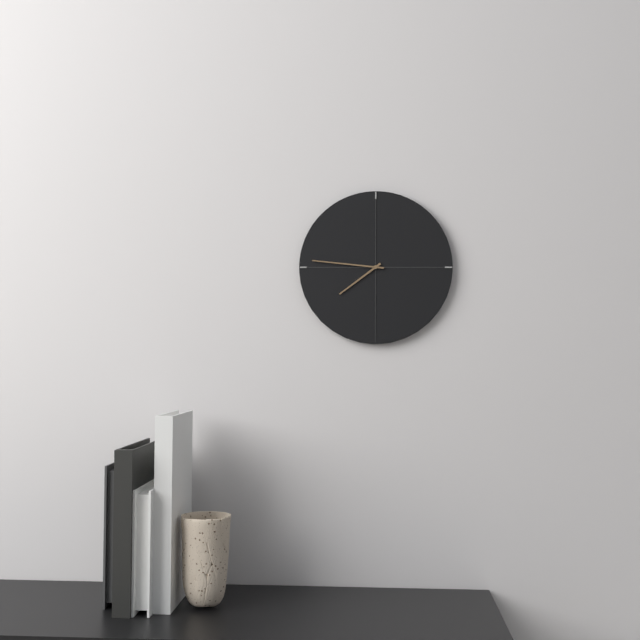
{"hour": 7, "minute": 46}
